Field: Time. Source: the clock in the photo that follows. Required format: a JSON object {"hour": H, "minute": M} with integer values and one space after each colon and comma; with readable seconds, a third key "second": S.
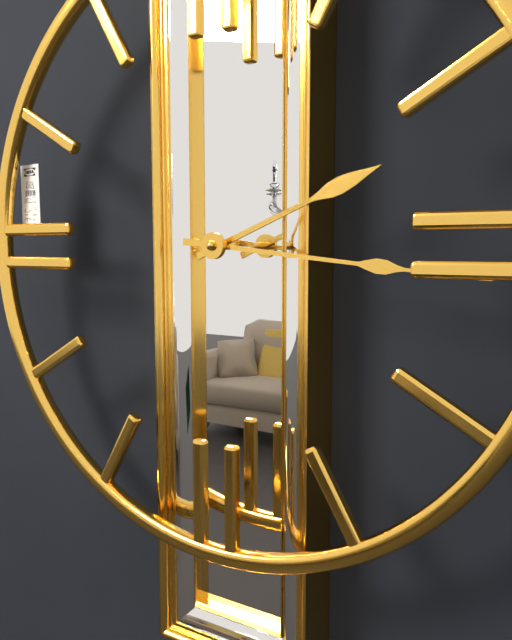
{"hour": 2, "minute": 16}
